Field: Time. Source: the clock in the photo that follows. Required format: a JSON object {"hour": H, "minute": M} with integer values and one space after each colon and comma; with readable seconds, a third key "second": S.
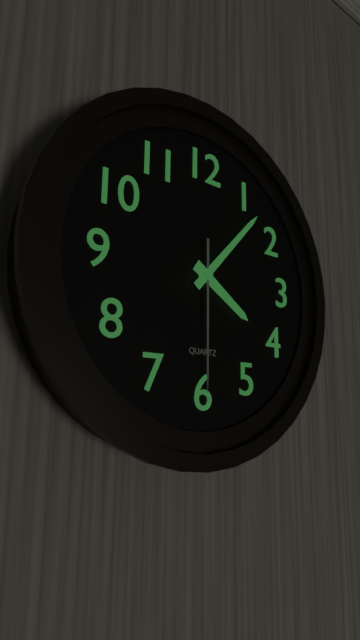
{"hour": 4, "minute": 7, "second": 30}
